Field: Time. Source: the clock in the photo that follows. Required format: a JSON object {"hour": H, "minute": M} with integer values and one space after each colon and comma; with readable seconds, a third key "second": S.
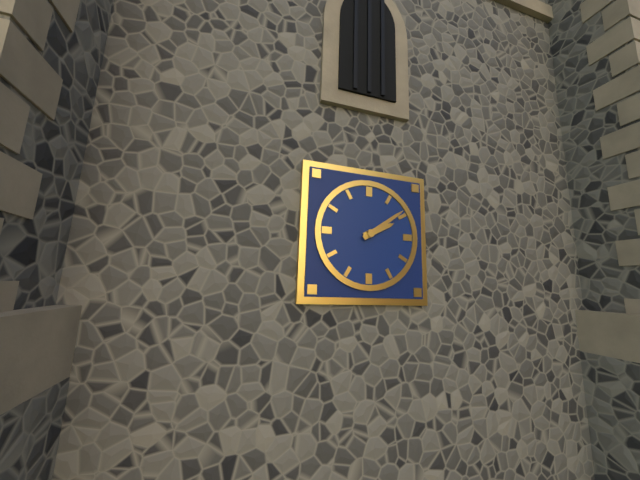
{"hour": 2, "minute": 9}
